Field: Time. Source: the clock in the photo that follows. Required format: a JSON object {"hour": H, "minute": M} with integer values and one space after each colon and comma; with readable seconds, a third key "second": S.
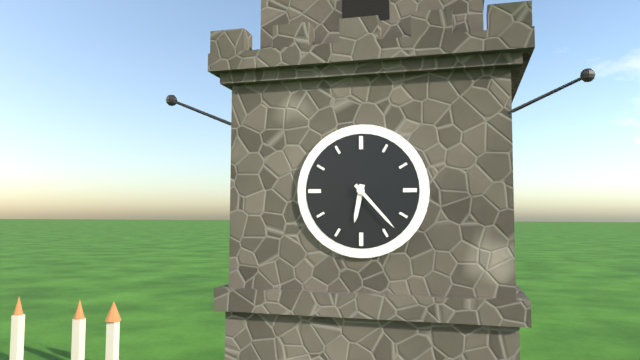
{"hour": 6, "minute": 23}
